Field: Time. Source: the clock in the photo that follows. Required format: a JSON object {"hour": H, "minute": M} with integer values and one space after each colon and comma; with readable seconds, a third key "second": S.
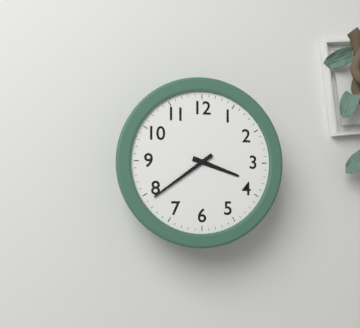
{"hour": 3, "minute": 39}
